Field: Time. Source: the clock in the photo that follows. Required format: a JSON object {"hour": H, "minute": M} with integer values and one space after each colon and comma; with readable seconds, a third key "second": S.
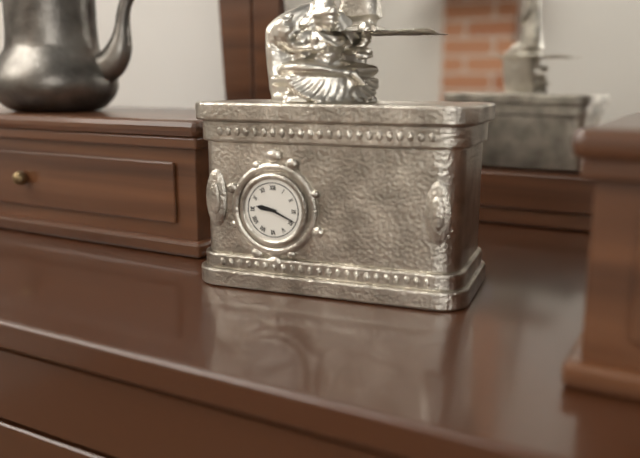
{"hour": 9, "minute": 19}
